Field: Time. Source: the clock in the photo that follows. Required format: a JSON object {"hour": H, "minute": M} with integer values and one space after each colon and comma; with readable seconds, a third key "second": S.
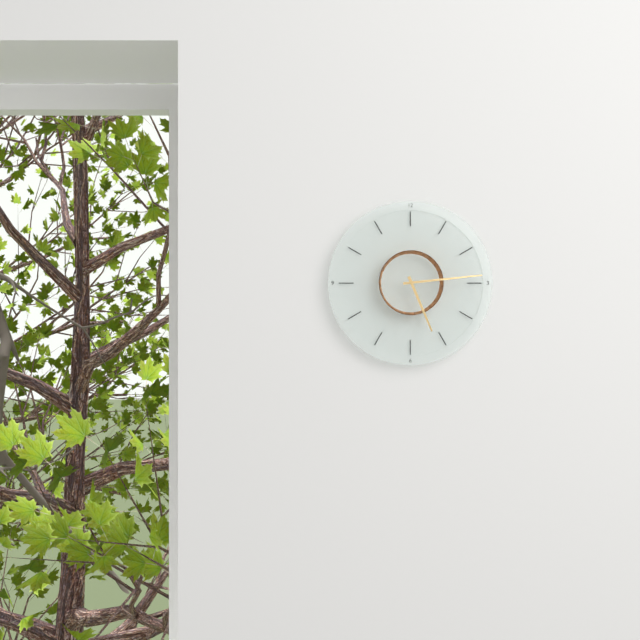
{"hour": 5, "minute": 14}
